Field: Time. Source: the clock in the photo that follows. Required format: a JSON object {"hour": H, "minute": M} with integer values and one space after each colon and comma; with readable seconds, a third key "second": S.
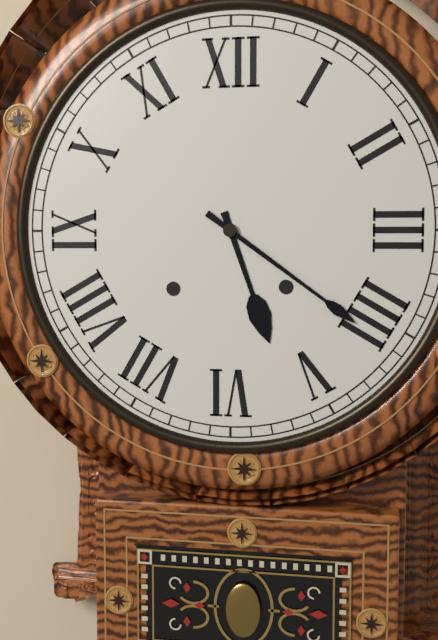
{"hour": 5, "minute": 21}
